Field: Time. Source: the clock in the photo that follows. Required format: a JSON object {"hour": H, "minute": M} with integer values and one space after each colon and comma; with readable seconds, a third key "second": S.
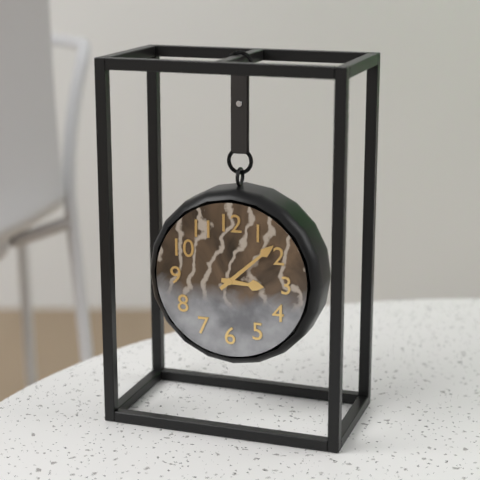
{"hour": 3, "minute": 8}
